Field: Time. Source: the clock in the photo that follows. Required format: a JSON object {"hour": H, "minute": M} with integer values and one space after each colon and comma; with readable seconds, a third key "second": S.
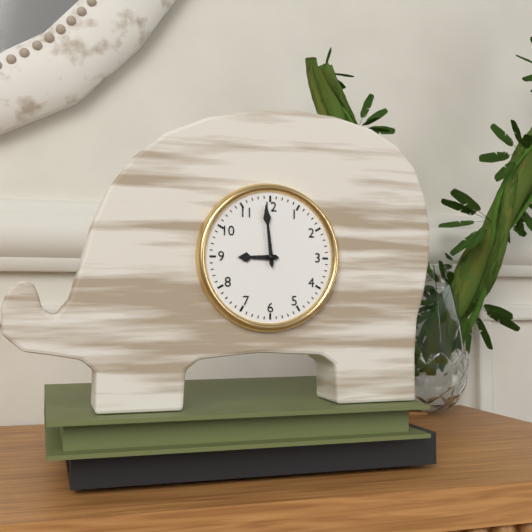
{"hour": 8, "minute": 59}
